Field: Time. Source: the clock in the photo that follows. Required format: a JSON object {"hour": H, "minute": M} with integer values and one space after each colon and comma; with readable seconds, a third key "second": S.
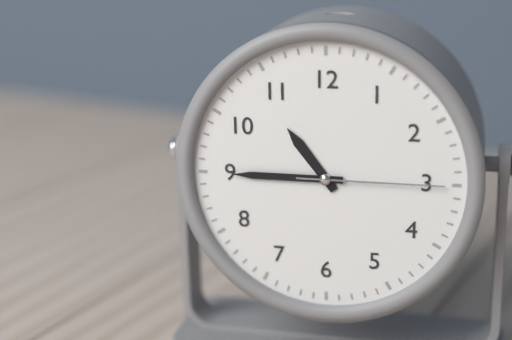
{"hour": 10, "minute": 45, "second": 15}
